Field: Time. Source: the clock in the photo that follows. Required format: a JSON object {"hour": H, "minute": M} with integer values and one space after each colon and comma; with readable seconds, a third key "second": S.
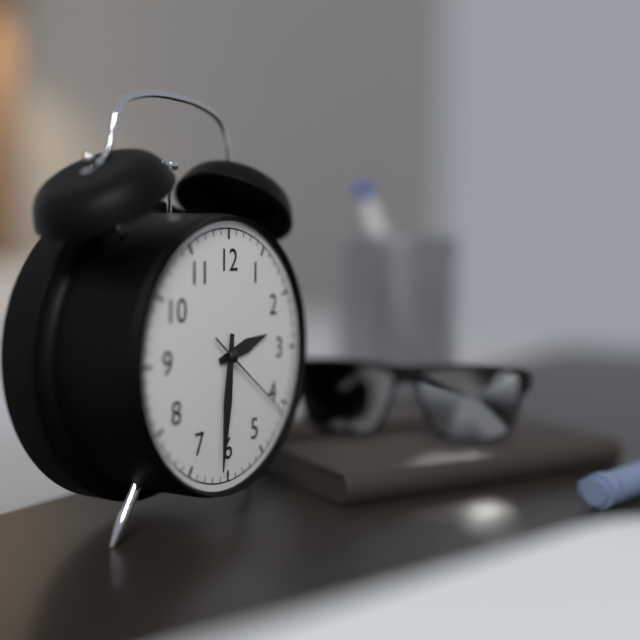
{"hour": 2, "minute": 31, "second": 21}
